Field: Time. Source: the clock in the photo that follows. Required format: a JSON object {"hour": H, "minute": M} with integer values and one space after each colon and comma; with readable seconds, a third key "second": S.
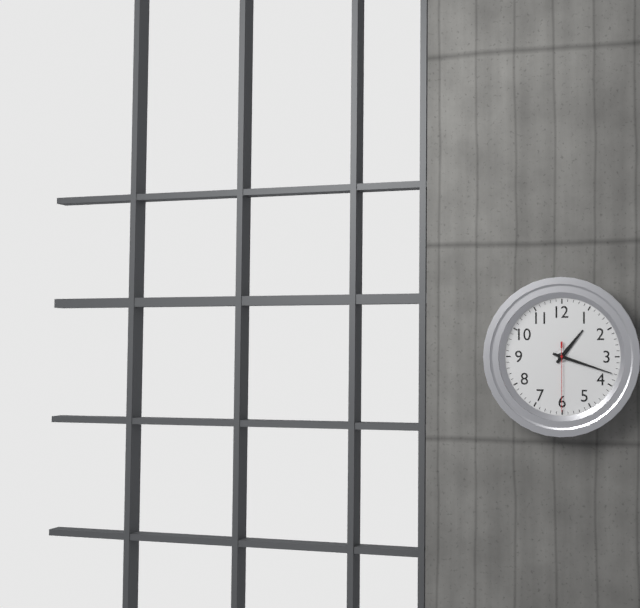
{"hour": 1, "minute": 18, "second": 30}
